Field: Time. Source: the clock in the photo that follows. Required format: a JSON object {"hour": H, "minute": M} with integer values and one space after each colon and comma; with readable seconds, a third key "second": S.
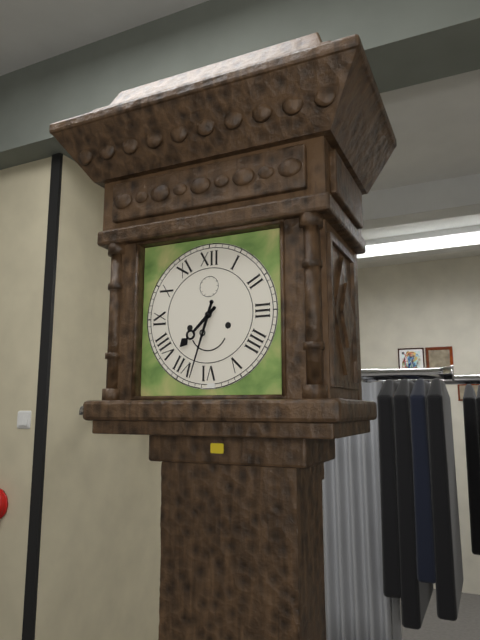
{"hour": 7, "minute": 33}
